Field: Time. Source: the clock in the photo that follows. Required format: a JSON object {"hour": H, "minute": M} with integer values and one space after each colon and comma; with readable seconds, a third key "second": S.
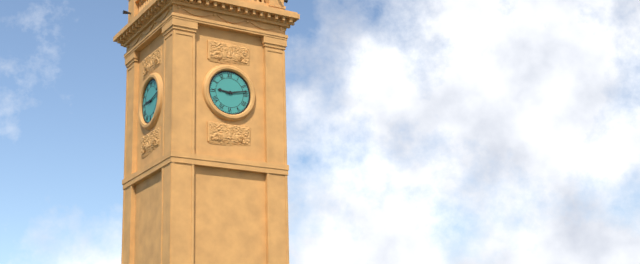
{"hour": 9, "minute": 13}
